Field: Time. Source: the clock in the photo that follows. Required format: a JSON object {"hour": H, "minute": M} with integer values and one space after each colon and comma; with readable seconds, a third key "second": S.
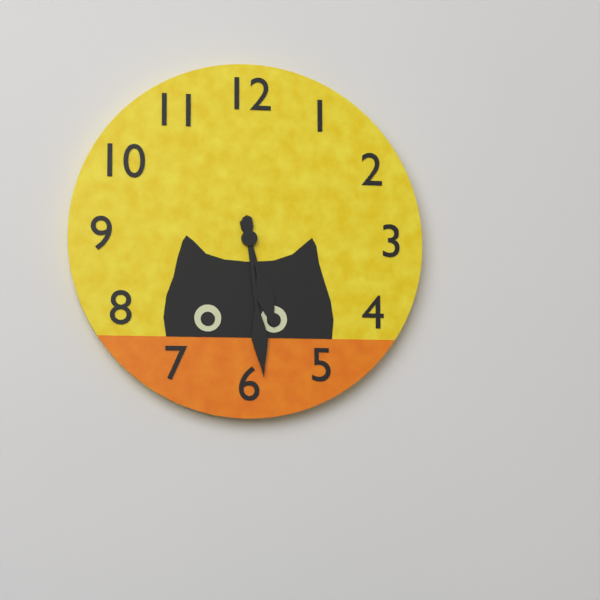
{"hour": 5, "minute": 29}
